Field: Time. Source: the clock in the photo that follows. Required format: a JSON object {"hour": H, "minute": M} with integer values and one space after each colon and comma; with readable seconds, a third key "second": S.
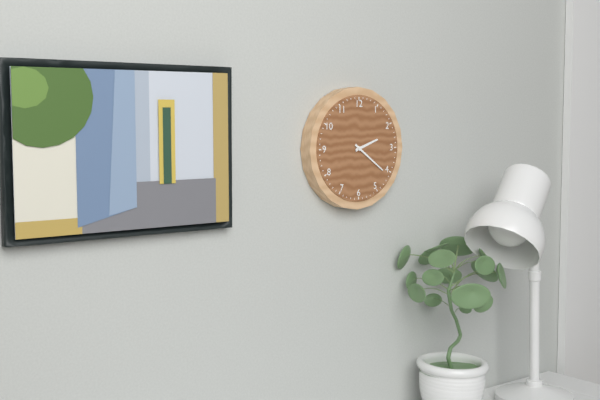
{"hour": 2, "minute": 21}
